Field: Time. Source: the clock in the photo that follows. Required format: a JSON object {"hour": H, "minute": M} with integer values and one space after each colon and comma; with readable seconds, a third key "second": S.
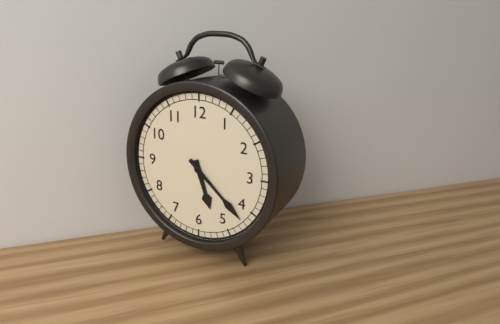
{"hour": 5, "minute": 22}
